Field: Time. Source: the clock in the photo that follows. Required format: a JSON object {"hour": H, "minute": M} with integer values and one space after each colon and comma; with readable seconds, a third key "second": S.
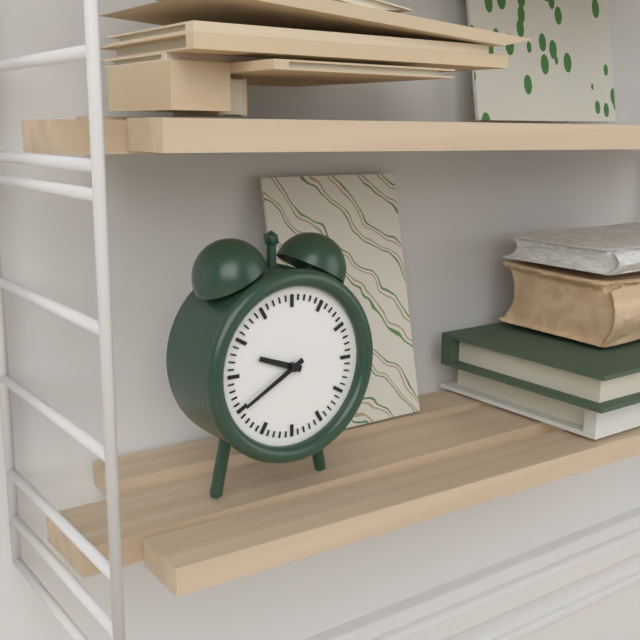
{"hour": 9, "minute": 40}
